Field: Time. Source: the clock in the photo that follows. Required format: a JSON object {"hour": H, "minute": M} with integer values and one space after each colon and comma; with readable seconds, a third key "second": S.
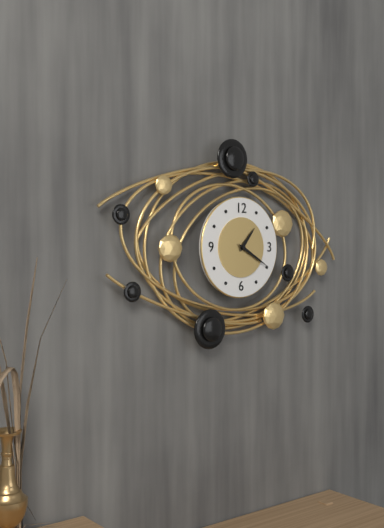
{"hour": 1, "minute": 20}
